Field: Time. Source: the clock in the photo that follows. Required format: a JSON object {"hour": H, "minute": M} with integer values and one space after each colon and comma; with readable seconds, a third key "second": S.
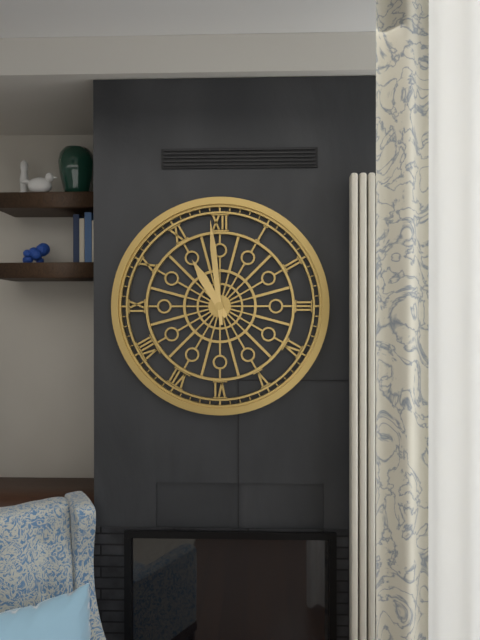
{"hour": 10, "minute": 59}
